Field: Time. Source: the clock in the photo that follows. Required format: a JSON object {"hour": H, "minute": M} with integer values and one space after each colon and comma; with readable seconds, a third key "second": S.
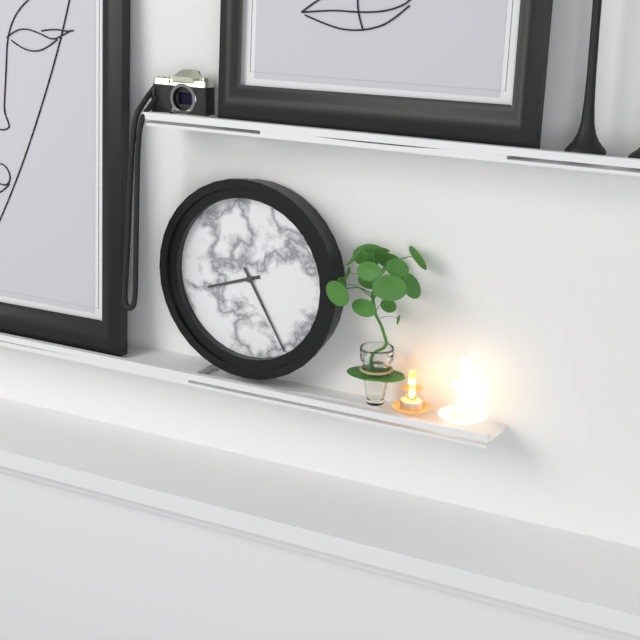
{"hour": 8, "minute": 25}
